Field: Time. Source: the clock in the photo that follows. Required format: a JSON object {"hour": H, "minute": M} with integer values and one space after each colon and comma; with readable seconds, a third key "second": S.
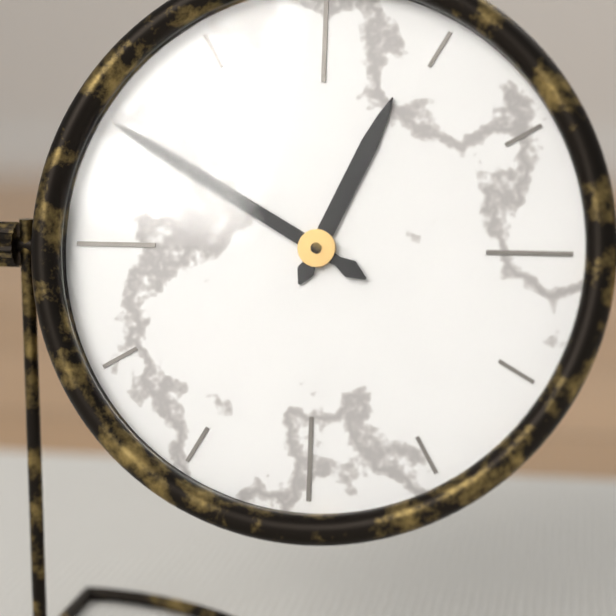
{"hour": 12, "minute": 50}
